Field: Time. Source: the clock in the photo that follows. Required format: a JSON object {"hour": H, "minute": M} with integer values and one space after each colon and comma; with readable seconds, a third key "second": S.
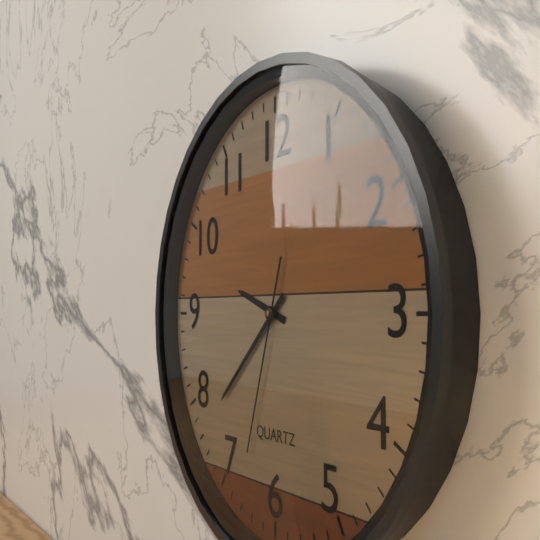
{"hour": 9, "minute": 38, "second": 33}
